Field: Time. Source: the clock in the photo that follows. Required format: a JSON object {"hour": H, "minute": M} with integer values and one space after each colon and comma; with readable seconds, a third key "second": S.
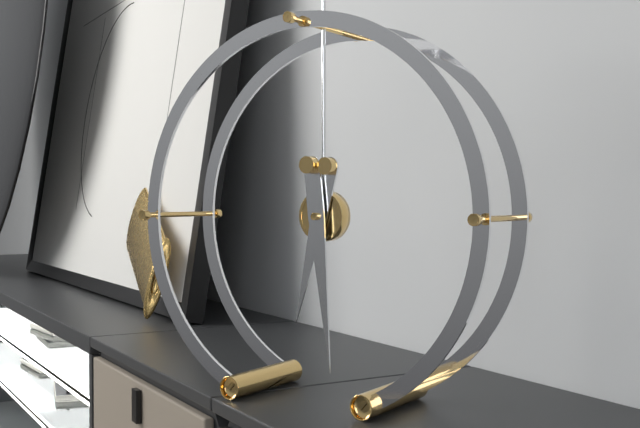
{"hour": 6, "minute": 29}
